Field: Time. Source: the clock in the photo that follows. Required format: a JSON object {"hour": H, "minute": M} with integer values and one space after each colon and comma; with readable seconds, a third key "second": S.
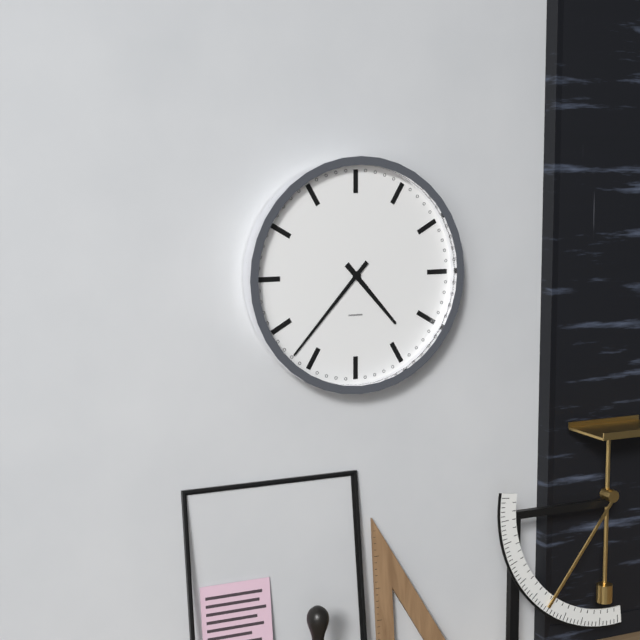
{"hour": 4, "minute": 37}
